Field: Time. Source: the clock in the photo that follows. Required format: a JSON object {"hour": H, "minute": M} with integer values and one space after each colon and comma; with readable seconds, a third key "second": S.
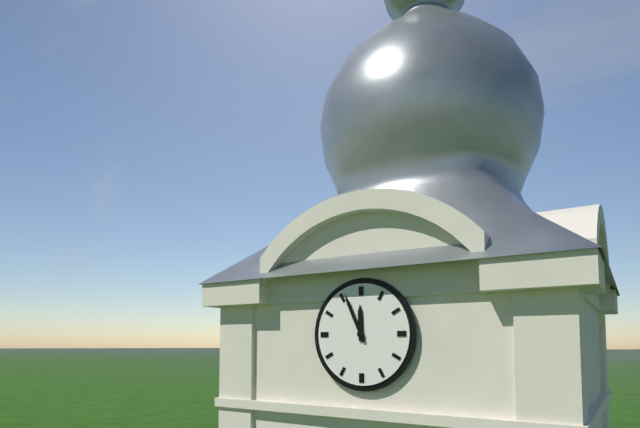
{"hour": 11, "minute": 56}
